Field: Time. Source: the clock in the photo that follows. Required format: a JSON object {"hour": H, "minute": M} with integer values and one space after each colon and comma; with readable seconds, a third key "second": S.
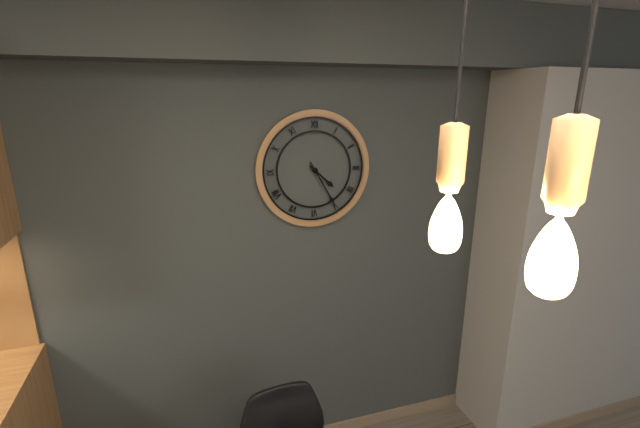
{"hour": 4, "minute": 25}
